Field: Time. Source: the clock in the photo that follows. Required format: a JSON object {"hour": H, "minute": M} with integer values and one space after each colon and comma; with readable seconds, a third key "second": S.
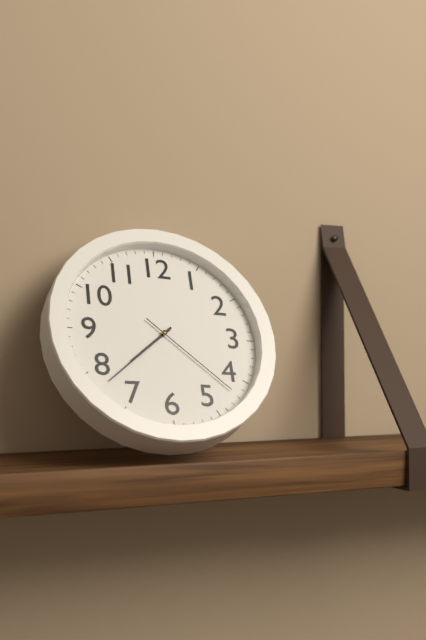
{"hour": 7, "minute": 38, "second": 22}
